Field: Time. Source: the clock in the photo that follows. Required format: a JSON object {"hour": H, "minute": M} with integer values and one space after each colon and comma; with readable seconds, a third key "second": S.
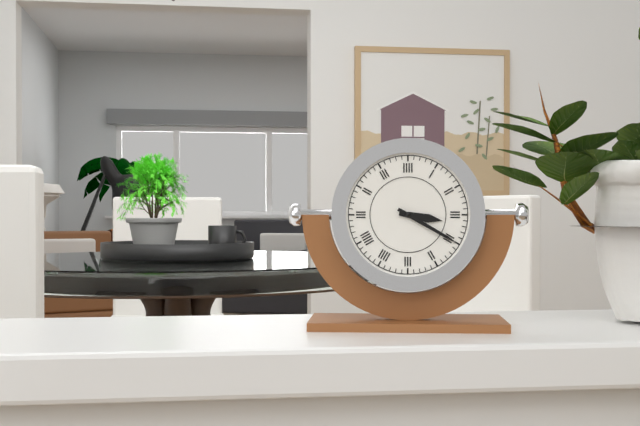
{"hour": 3, "minute": 20}
